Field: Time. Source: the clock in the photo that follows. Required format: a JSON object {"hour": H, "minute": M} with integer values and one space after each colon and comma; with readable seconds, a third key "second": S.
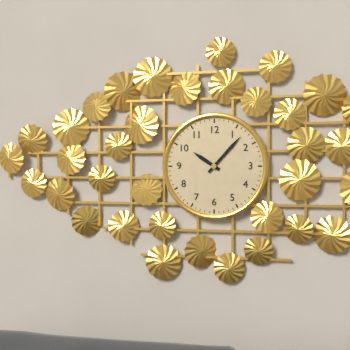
{"hour": 10, "minute": 7}
